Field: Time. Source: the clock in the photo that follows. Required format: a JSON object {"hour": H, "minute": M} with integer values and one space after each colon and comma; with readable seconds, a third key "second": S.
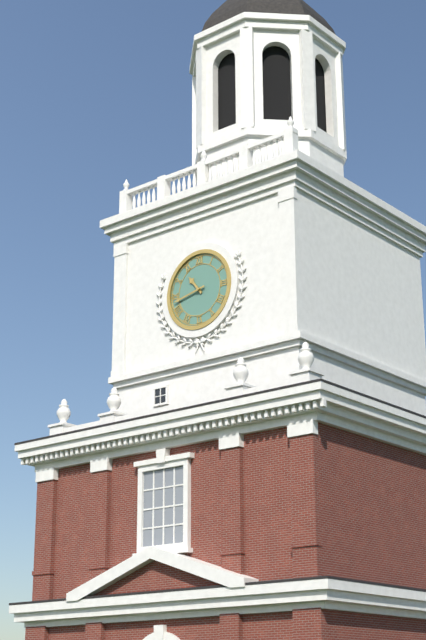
{"hour": 10, "minute": 43}
